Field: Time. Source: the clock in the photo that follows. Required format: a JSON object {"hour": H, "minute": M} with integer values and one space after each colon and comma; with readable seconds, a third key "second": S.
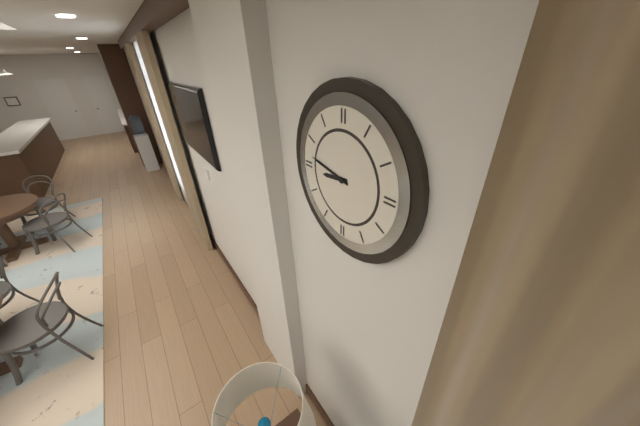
{"hour": 8, "minute": 47}
